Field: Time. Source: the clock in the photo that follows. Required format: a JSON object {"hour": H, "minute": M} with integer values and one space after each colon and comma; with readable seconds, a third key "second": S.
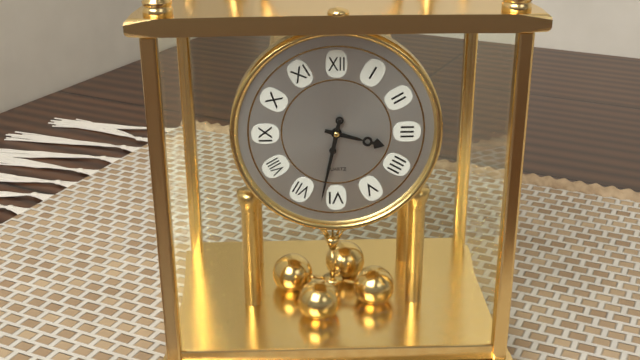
{"hour": 3, "minute": 32}
